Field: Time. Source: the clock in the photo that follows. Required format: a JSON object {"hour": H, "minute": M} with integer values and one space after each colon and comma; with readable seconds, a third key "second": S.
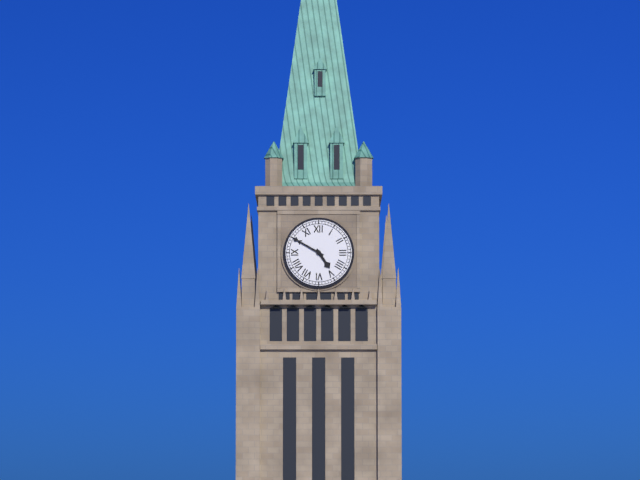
{"hour": 4, "minute": 50}
